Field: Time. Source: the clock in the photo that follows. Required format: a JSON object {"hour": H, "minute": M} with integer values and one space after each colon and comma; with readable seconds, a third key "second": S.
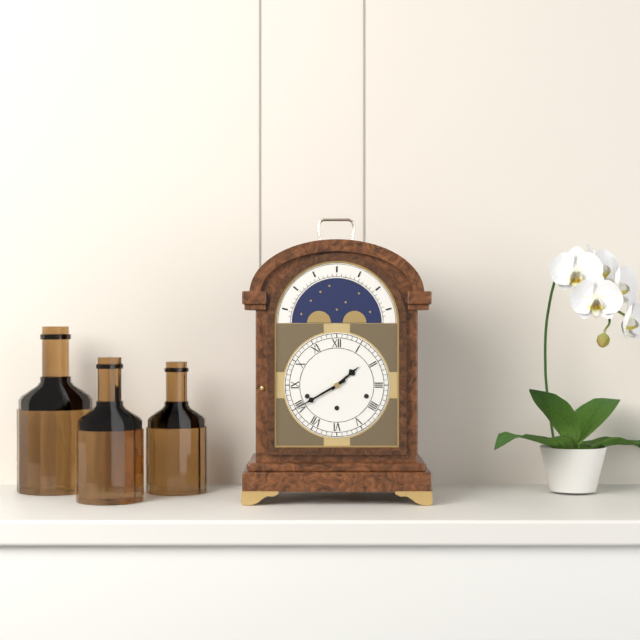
{"hour": 1, "minute": 40}
